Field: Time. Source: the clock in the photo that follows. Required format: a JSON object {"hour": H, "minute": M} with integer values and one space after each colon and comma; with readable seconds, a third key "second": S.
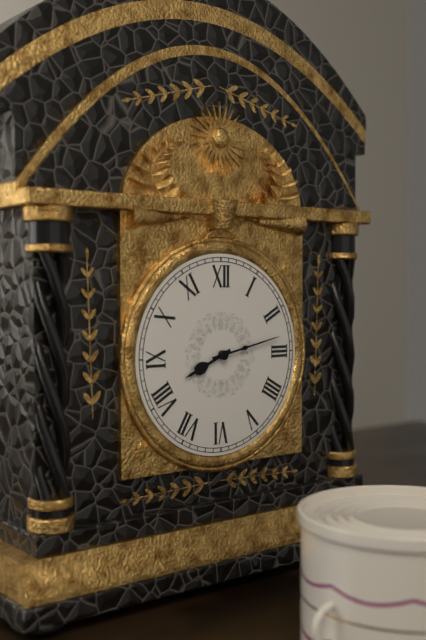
{"hour": 8, "minute": 13}
